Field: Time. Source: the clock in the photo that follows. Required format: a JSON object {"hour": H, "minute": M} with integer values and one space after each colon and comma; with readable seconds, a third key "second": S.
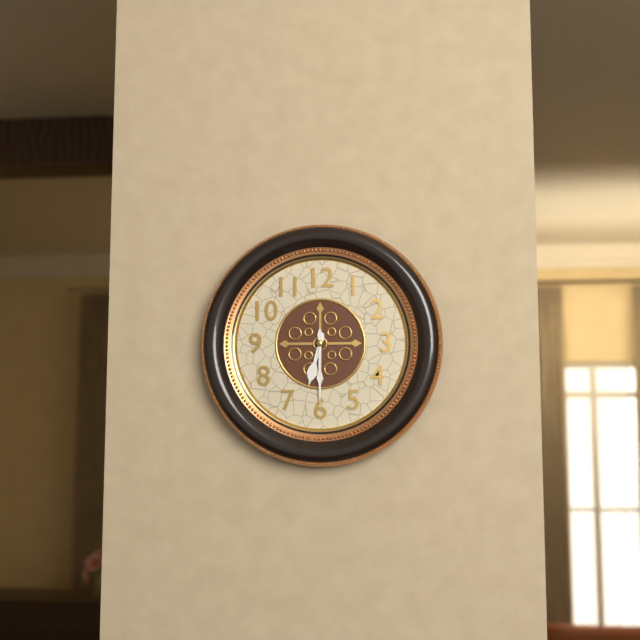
{"hour": 6, "minute": 30}
